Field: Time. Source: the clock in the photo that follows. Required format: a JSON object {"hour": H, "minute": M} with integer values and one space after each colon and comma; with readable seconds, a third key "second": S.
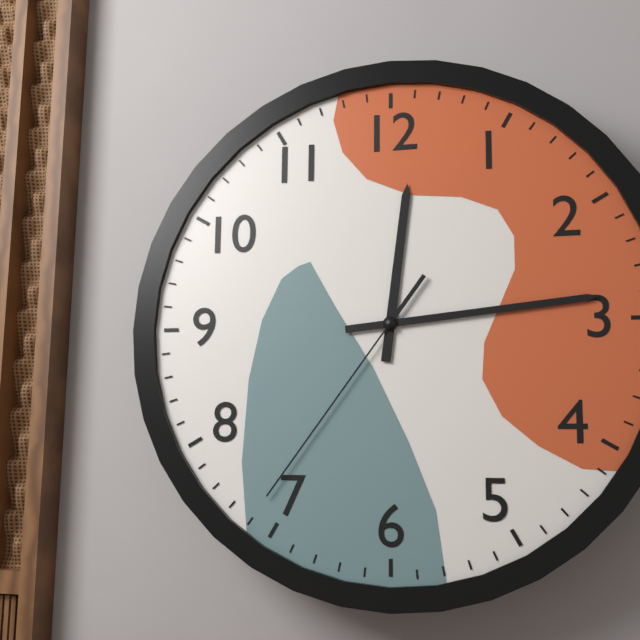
{"hour": 12, "minute": 14, "second": 36}
